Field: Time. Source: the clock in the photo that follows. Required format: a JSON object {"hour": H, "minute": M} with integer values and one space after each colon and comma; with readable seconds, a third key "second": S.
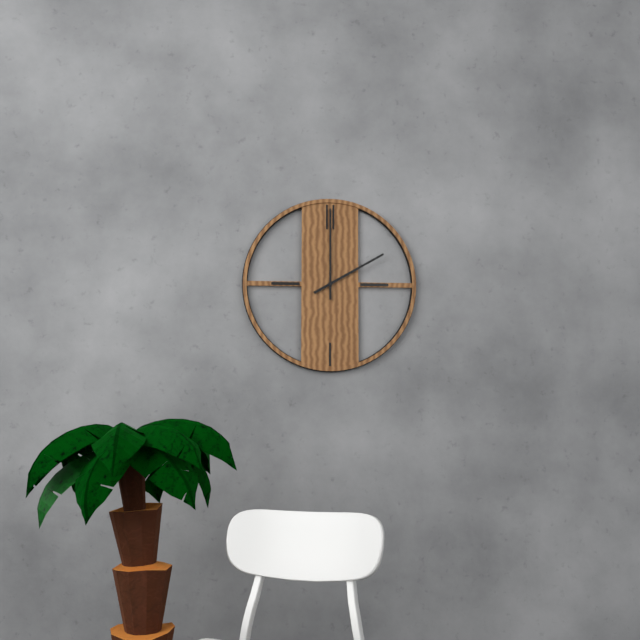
{"hour": 2, "minute": 0}
